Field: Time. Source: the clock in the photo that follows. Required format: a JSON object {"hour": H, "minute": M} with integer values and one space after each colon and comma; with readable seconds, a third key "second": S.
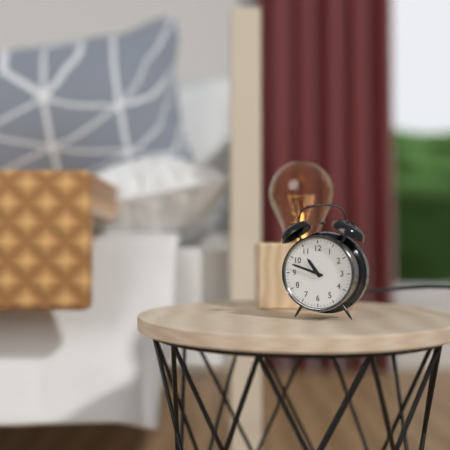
{"hour": 10, "minute": 48}
